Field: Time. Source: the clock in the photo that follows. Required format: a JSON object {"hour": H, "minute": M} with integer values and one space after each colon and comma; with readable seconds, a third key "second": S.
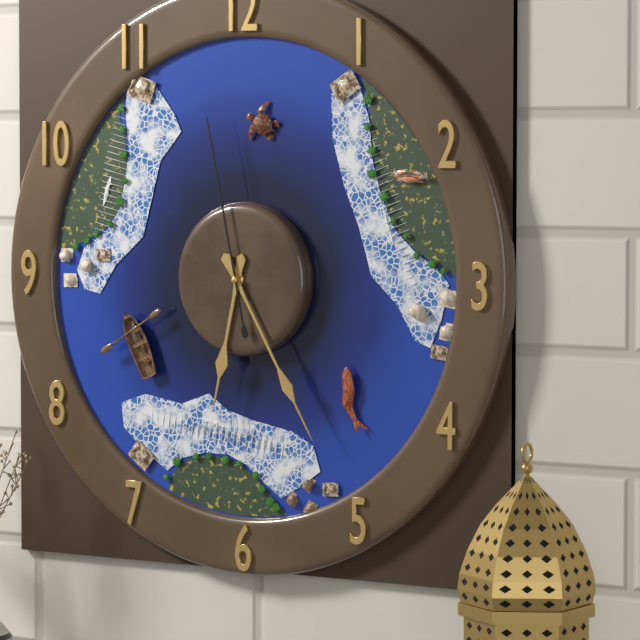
{"hour": 6, "minute": 25, "second": 58}
